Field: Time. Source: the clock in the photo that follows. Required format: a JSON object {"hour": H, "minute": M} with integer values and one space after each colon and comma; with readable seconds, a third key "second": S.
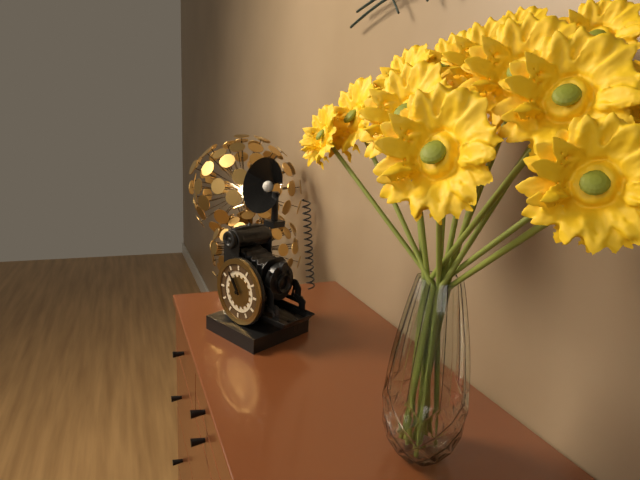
{"hour": 10, "minute": 54}
